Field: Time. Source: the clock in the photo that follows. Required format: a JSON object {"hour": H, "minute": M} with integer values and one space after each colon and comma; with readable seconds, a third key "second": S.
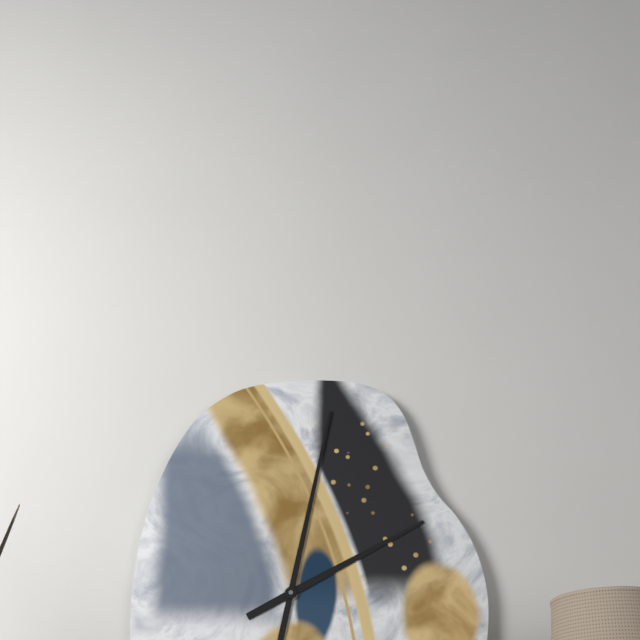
{"hour": 2, "minute": 2}
